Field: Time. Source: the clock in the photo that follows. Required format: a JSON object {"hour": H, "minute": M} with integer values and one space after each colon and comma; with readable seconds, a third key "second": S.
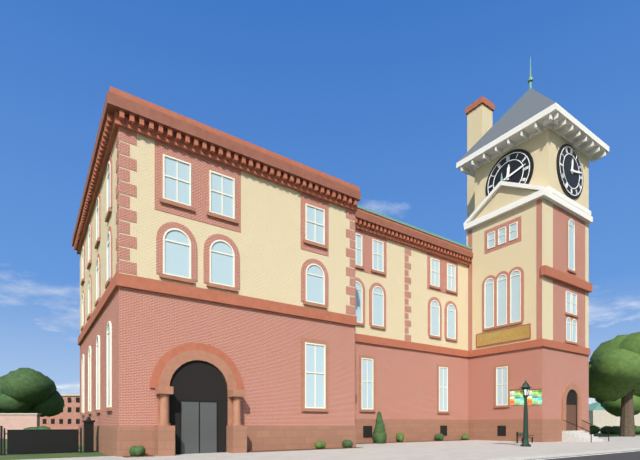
{"hour": 12, "minute": 13}
